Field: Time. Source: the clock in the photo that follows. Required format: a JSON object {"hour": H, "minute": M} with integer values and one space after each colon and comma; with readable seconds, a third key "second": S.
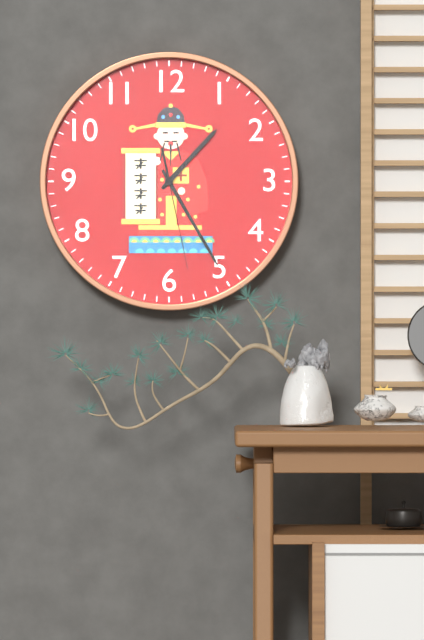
{"hour": 1, "minute": 25, "second": 28}
